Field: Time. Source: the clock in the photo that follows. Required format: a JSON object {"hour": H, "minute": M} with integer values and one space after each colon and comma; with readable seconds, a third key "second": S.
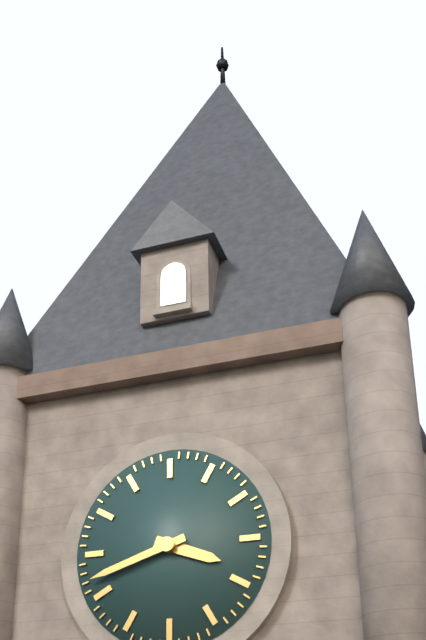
{"hour": 3, "minute": 42}
